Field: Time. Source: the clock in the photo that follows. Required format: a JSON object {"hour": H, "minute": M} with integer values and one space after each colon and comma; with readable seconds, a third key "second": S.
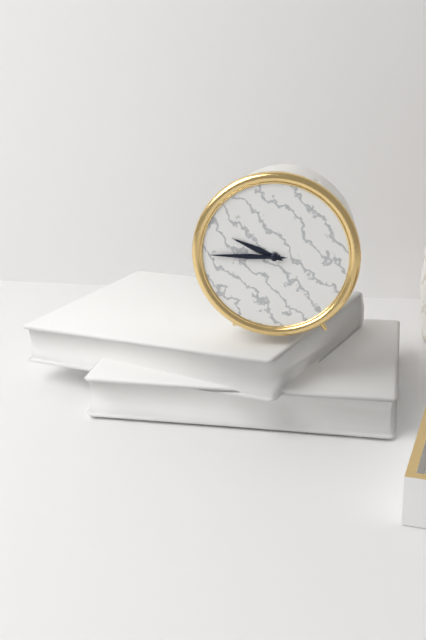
{"hour": 9, "minute": 45}
